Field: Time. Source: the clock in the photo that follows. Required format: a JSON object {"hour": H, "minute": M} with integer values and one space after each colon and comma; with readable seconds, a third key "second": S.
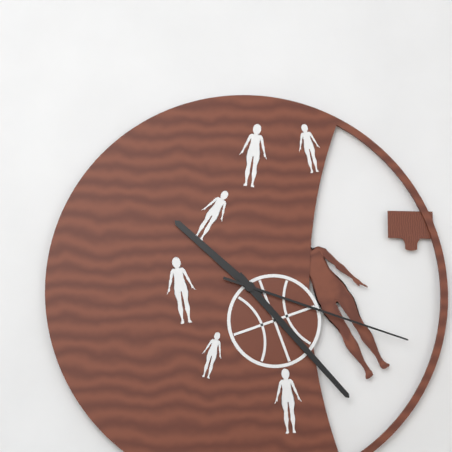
{"hour": 10, "minute": 23, "second": 18}
